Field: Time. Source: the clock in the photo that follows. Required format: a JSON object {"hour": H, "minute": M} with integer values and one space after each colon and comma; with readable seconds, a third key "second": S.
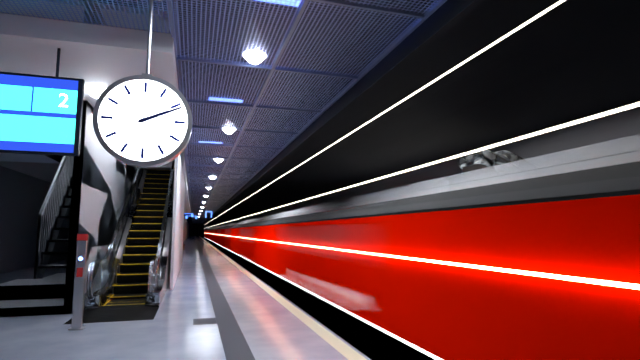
{"hour": 2, "minute": 11}
